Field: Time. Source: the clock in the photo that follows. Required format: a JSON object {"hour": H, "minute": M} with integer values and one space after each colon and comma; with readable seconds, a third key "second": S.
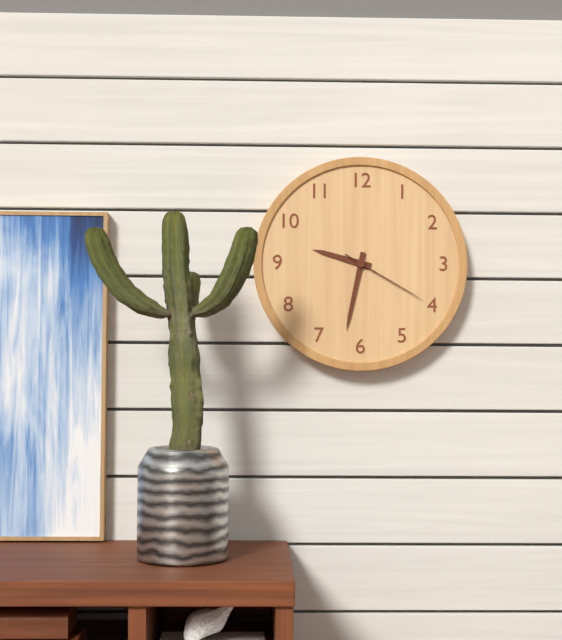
{"hour": 9, "minute": 32, "second": 20}
